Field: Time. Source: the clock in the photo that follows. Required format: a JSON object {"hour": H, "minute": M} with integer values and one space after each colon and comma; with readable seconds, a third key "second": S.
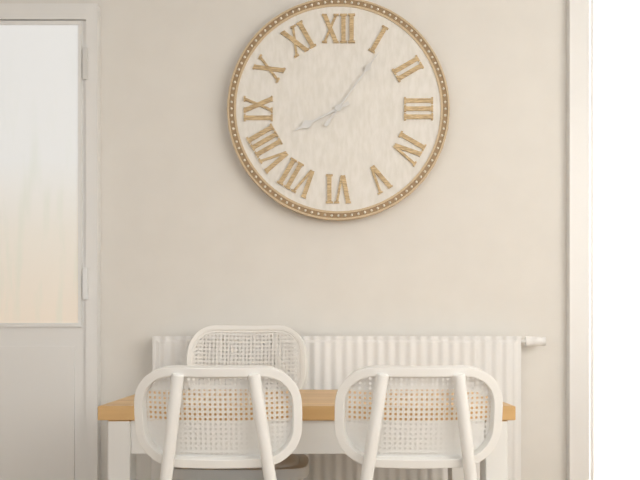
{"hour": 8, "minute": 6}
